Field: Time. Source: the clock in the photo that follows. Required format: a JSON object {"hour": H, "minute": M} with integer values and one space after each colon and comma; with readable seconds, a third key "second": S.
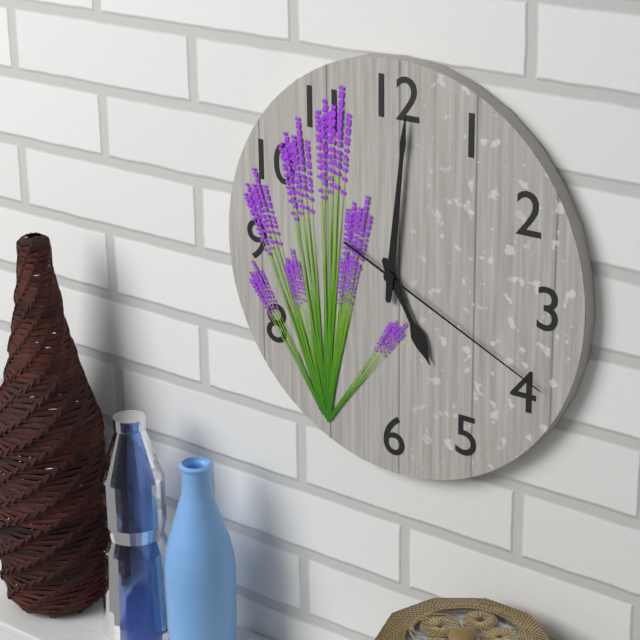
{"hour": 5, "minute": 1, "second": 19}
